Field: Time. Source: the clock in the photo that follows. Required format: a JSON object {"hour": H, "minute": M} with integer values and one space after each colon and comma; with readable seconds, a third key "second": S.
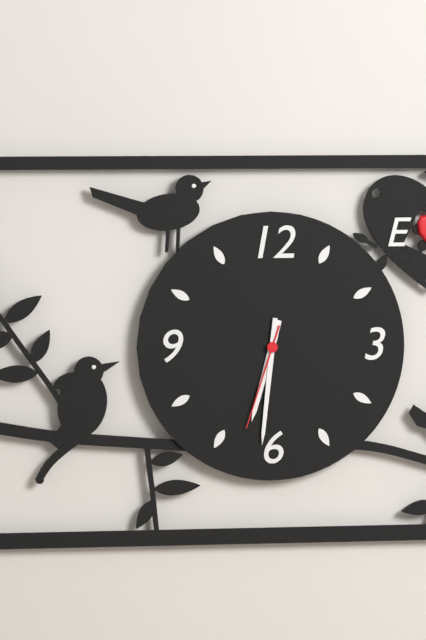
{"hour": 6, "minute": 31, "second": 33}
